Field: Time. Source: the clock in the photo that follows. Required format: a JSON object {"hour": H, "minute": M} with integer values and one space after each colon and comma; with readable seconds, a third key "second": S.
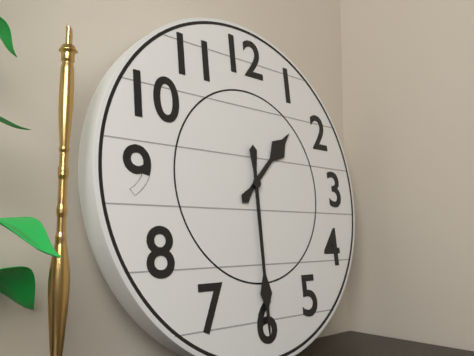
{"hour": 1, "minute": 30}
